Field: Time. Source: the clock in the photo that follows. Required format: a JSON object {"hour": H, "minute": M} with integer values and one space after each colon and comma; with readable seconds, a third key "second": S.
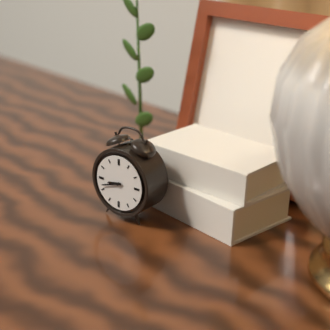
{"hour": 8, "minute": 42}
